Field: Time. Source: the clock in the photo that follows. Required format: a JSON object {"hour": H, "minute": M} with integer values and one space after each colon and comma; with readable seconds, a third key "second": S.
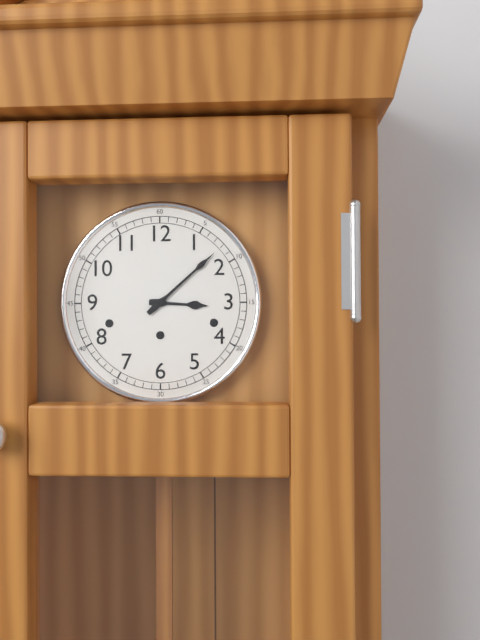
{"hour": 3, "minute": 8}
